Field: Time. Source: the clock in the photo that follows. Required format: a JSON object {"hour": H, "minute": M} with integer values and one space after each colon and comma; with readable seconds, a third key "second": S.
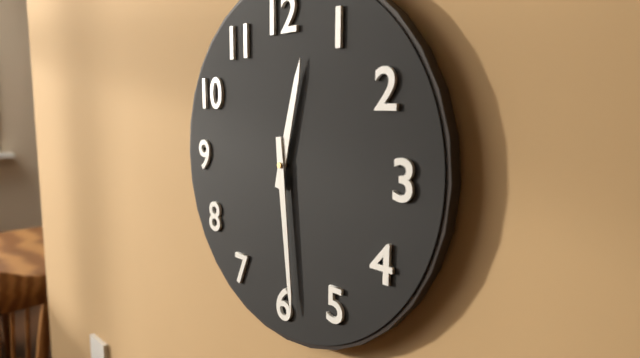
{"hour": 12, "minute": 29}
